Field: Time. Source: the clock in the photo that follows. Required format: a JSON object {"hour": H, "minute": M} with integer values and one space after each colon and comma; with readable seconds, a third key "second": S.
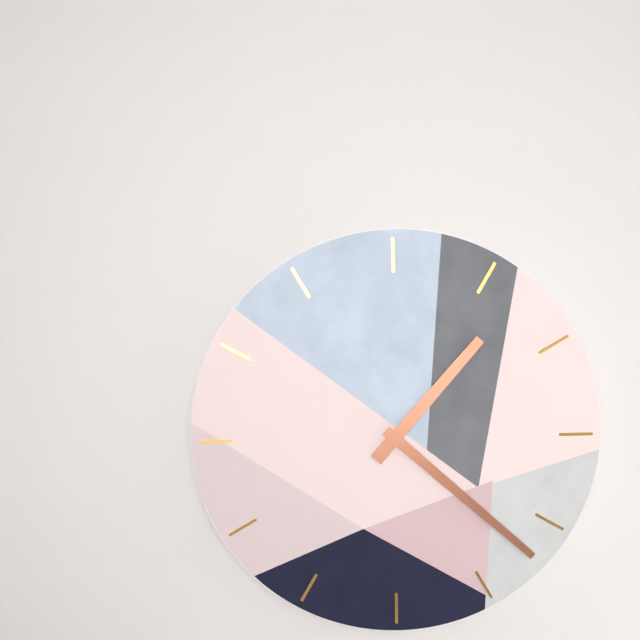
{"hour": 1, "minute": 22}
